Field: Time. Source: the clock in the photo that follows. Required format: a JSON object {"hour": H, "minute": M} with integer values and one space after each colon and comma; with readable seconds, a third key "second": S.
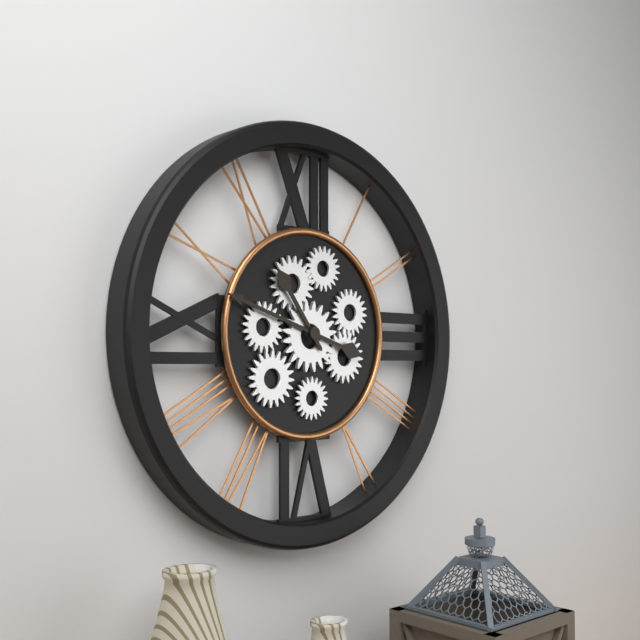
{"hour": 10, "minute": 48}
